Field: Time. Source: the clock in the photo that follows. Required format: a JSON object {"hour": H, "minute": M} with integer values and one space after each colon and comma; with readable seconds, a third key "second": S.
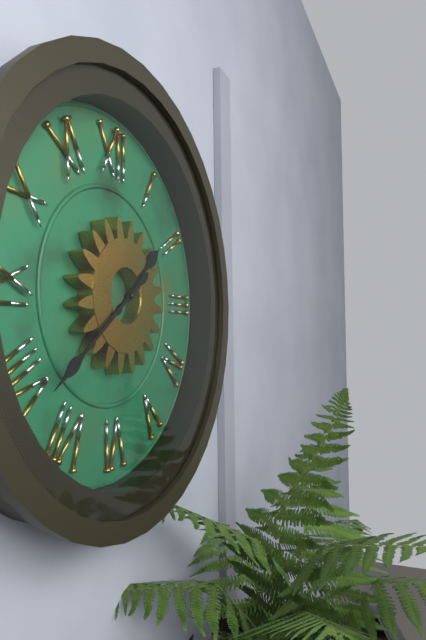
{"hour": 1, "minute": 39}
